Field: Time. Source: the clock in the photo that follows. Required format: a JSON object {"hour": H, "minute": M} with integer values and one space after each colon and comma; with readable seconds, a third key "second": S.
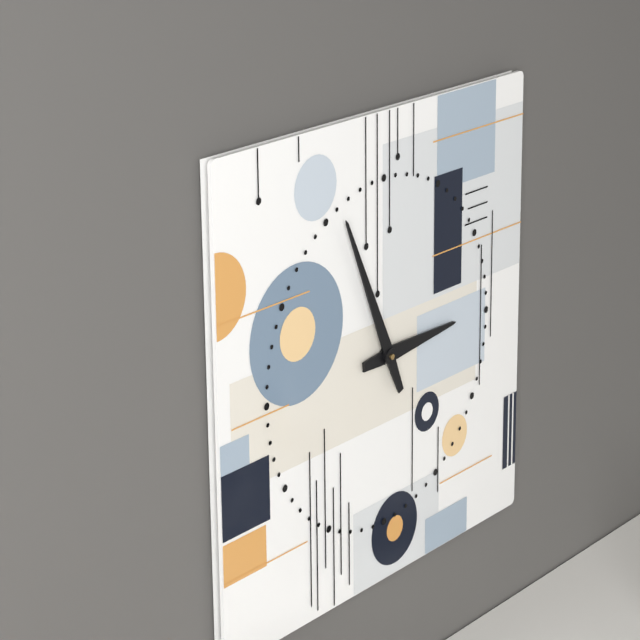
{"hour": 2, "minute": 56}
